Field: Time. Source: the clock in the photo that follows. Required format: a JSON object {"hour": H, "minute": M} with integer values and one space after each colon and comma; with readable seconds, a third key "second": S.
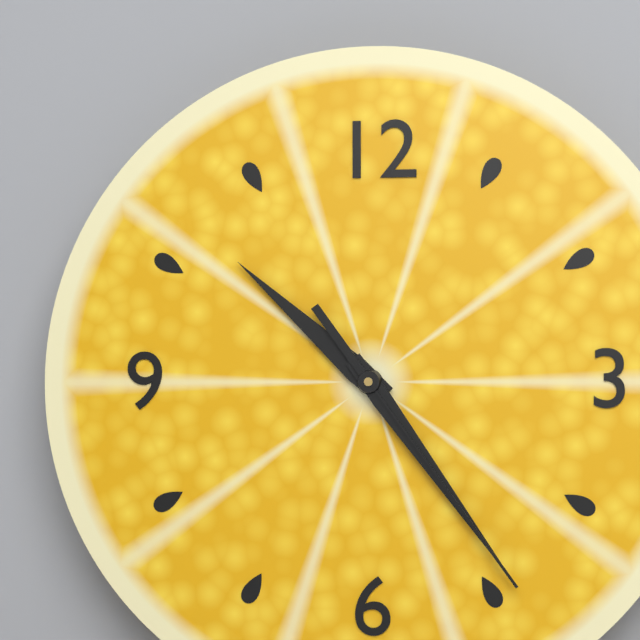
{"hour": 10, "minute": 24, "second": 24}
